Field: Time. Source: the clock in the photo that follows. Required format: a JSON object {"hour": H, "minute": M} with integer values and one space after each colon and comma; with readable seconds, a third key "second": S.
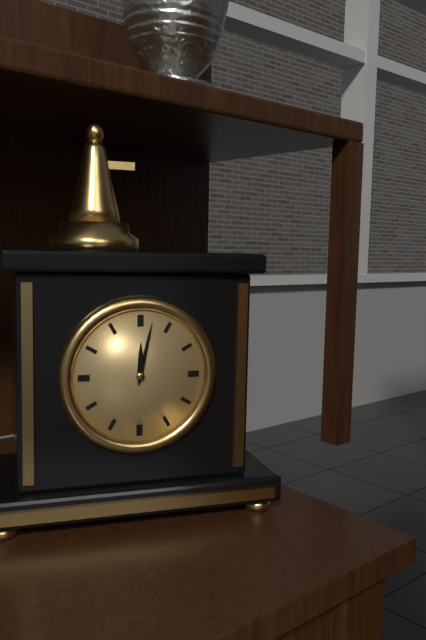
{"hour": 12, "minute": 2}
